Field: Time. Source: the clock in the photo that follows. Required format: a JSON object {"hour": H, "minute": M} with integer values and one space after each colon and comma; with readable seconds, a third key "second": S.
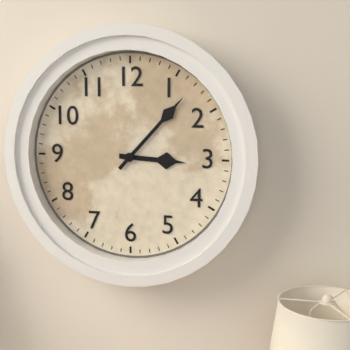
{"hour": 3, "minute": 7}
